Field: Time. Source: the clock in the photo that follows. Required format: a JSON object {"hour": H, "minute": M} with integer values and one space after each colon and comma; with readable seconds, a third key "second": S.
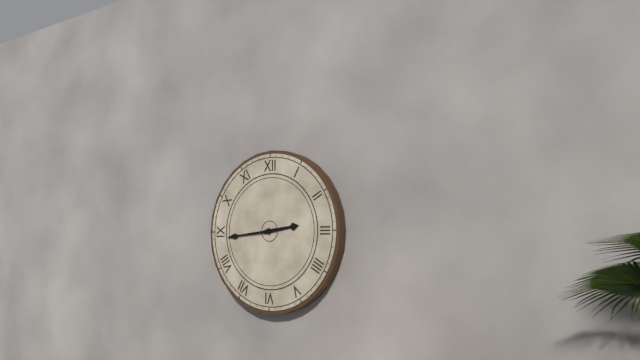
{"hour": 2, "minute": 44}
